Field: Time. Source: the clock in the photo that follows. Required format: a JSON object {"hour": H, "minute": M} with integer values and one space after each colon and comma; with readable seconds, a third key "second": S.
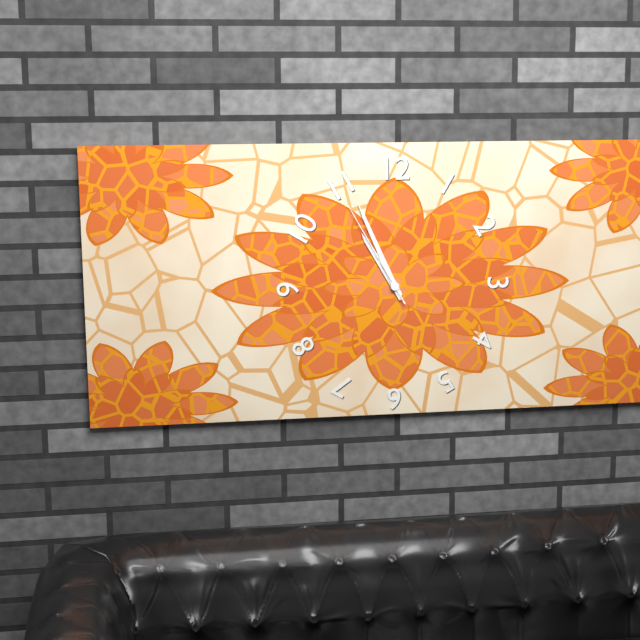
{"hour": 10, "minute": 56, "second": 55}
